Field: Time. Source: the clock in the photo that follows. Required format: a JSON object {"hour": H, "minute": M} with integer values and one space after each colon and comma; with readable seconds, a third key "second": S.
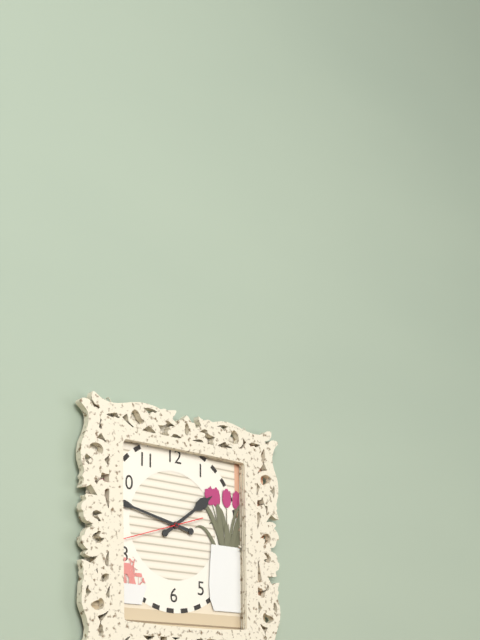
{"hour": 1, "minute": 47, "second": 42}
